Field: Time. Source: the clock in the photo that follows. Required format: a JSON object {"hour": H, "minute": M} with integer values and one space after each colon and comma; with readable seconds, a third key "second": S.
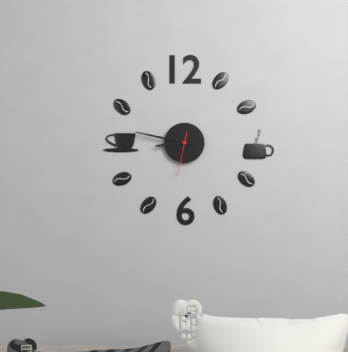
{"hour": 8, "minute": 47}
